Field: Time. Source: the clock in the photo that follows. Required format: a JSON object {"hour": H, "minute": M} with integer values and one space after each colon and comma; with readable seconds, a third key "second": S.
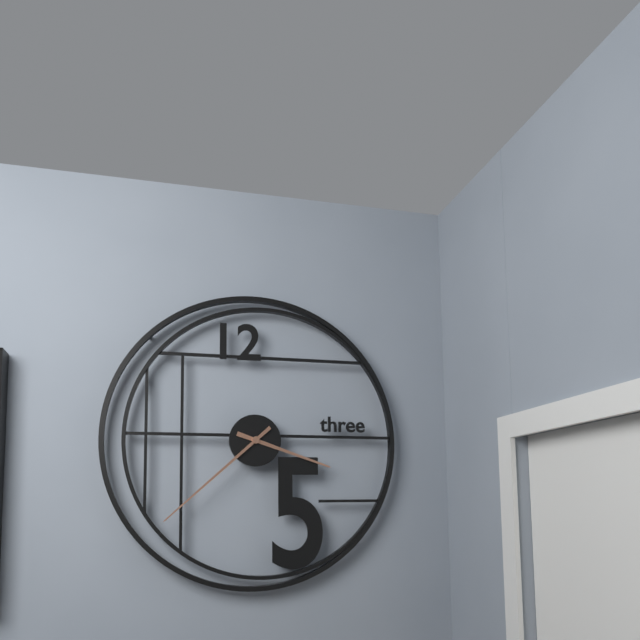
{"hour": 3, "minute": 38}
